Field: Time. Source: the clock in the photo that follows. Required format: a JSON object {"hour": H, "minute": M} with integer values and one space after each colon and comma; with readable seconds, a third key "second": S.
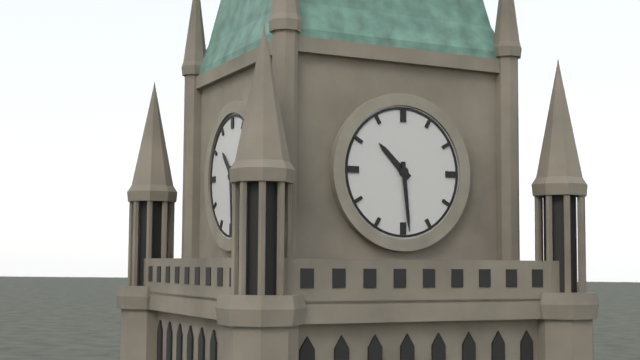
{"hour": 10, "minute": 29}
